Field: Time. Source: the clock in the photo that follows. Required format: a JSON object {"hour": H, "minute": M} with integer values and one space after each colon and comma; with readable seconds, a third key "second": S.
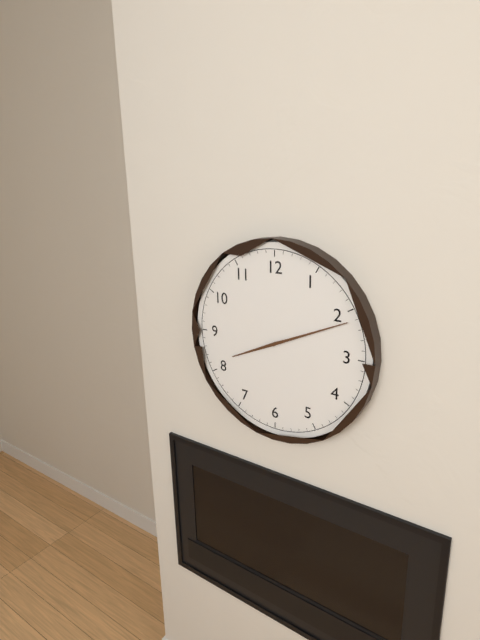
{"hour": 8, "minute": 11}
